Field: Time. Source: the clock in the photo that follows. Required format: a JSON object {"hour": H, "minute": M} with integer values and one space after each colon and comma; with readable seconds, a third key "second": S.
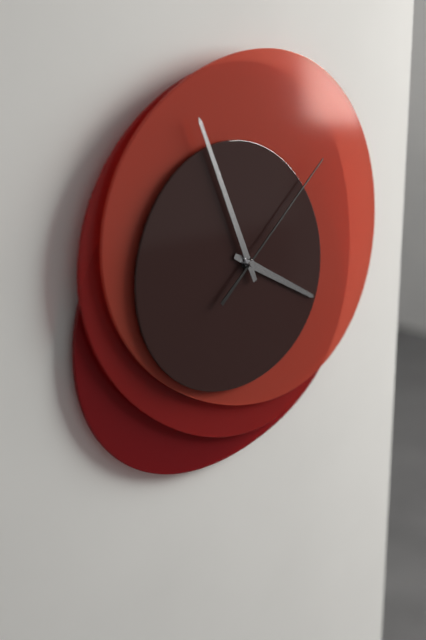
{"hour": 3, "minute": 56, "second": 8}
